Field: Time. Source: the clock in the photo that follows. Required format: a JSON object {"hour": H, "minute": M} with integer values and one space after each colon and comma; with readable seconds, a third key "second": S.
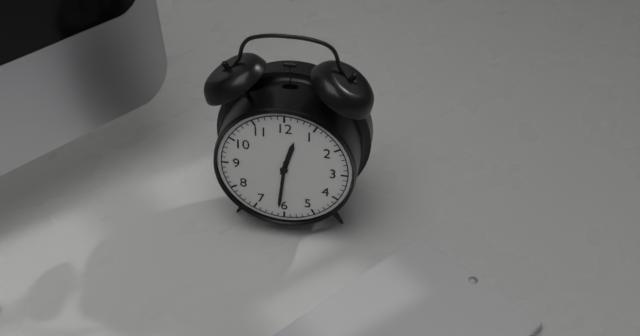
{"hour": 12, "minute": 31}
